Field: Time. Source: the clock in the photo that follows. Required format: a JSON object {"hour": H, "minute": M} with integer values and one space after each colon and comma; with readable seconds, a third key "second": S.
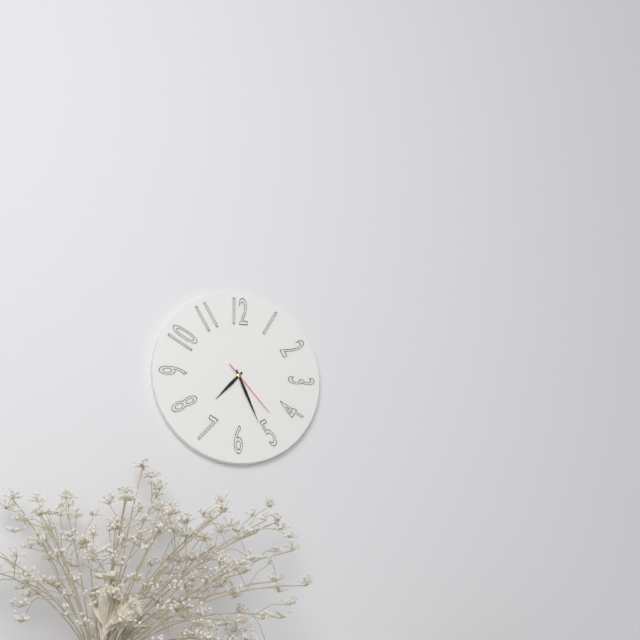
{"hour": 7, "minute": 26, "second": 23}
